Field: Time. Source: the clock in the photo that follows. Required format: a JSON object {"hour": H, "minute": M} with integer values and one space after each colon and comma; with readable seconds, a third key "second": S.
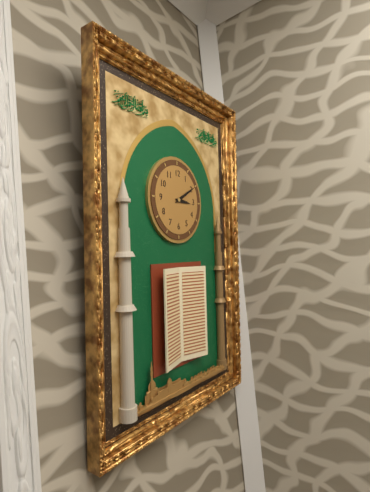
{"hour": 3, "minute": 10}
